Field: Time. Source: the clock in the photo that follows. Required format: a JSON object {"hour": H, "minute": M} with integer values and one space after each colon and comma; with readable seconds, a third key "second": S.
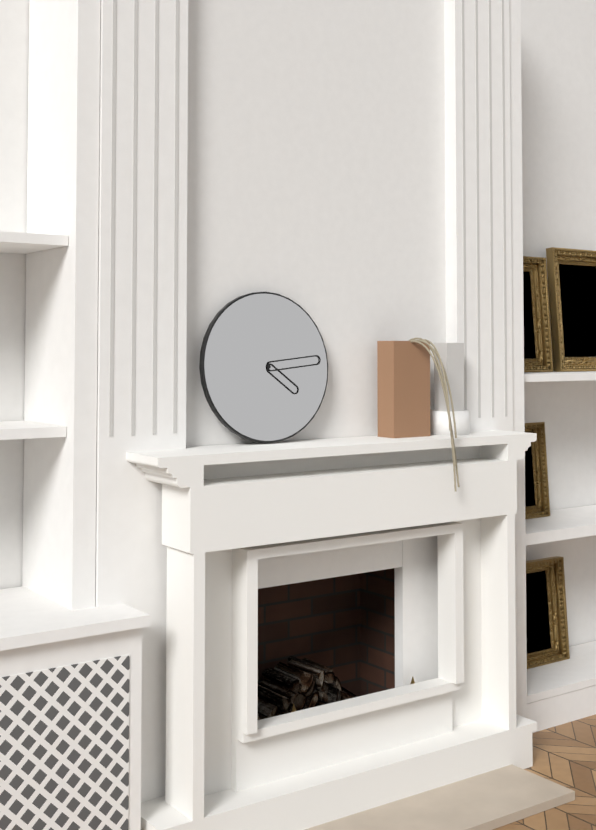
{"hour": 4, "minute": 14}
